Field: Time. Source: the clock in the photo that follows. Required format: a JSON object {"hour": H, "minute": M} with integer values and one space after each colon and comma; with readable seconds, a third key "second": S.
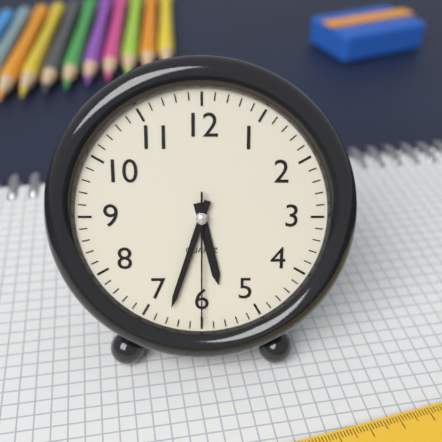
{"hour": 5, "minute": 33, "second": 30}
